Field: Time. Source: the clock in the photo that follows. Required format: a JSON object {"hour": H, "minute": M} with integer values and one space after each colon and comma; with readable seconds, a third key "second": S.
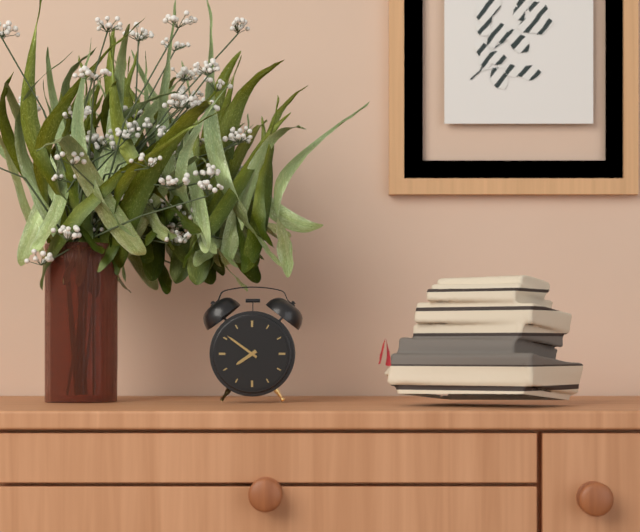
{"hour": 7, "minute": 51}
